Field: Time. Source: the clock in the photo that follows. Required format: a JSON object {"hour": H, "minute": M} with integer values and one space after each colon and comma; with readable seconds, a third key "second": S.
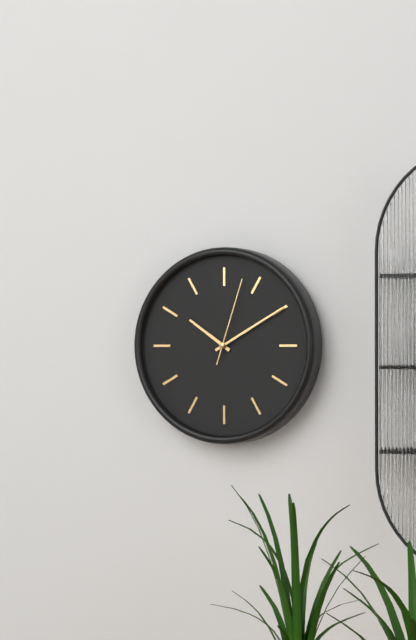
{"hour": 10, "minute": 10, "second": 3}
